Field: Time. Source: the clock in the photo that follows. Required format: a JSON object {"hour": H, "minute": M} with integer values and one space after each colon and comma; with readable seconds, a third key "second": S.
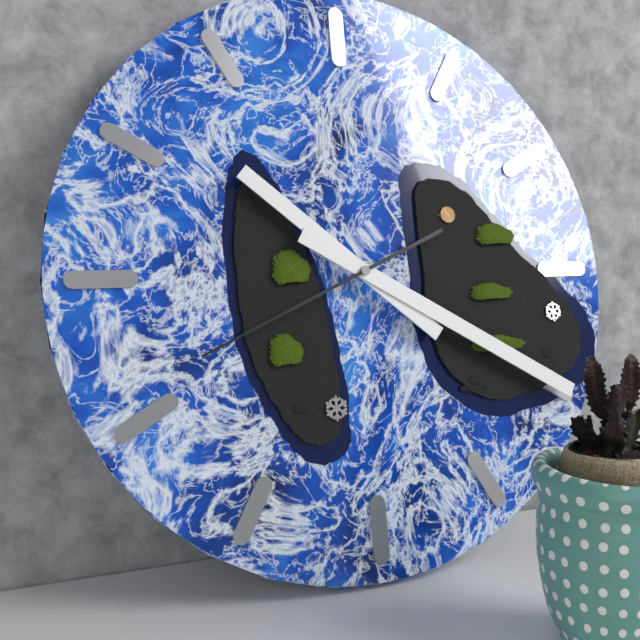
{"hour": 10, "minute": 20, "second": 41}
